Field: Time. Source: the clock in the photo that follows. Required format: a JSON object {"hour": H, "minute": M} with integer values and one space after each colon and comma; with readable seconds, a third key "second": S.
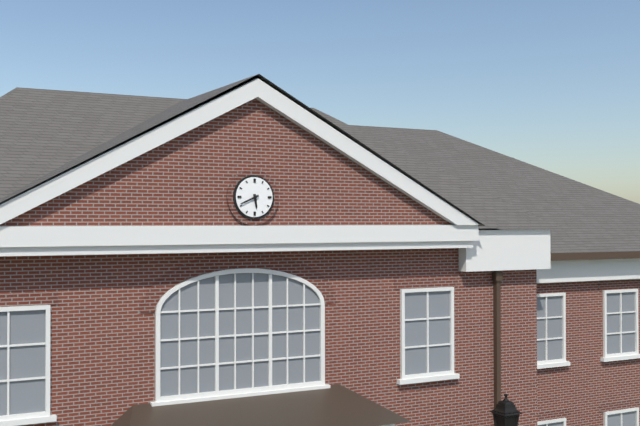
{"hour": 5, "minute": 41}
